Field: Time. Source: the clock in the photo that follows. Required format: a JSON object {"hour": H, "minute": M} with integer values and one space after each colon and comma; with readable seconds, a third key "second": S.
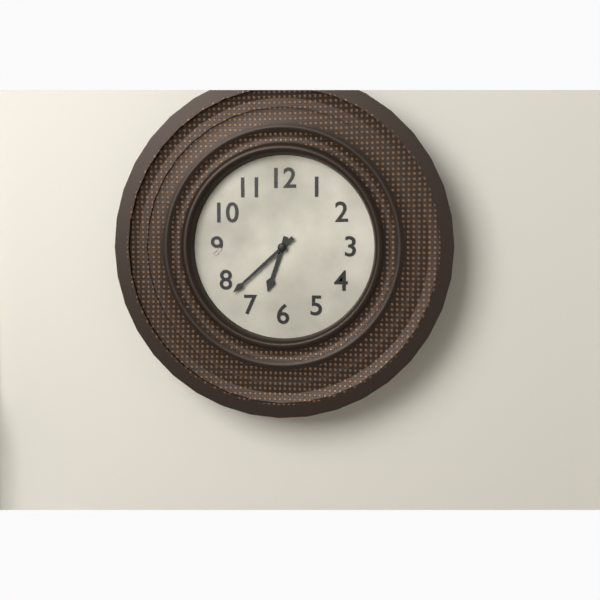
{"hour": 6, "minute": 38}
